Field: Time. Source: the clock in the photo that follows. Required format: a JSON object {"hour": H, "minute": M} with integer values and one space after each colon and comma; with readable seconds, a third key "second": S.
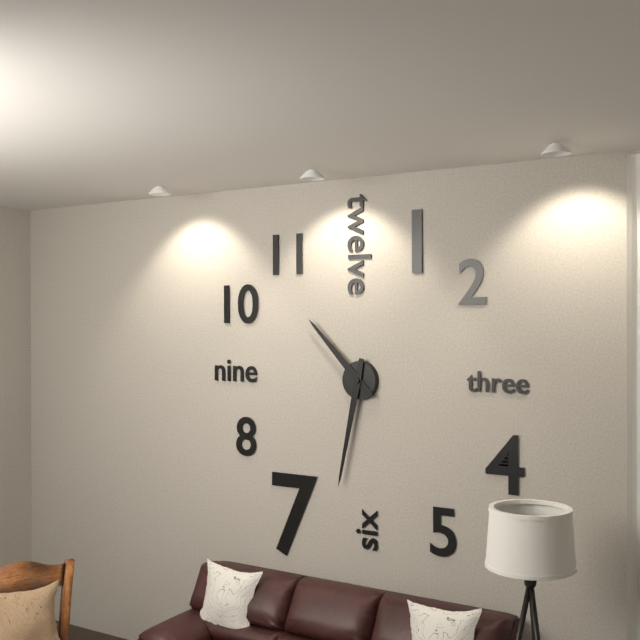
{"hour": 10, "minute": 32}
